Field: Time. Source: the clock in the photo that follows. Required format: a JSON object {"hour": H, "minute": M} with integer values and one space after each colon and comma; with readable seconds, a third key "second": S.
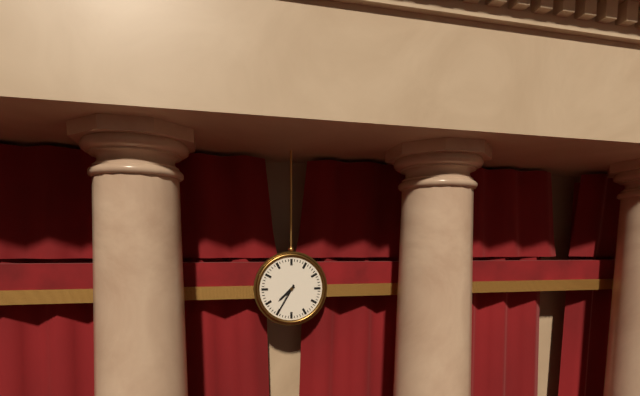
{"hour": 7, "minute": 35}
